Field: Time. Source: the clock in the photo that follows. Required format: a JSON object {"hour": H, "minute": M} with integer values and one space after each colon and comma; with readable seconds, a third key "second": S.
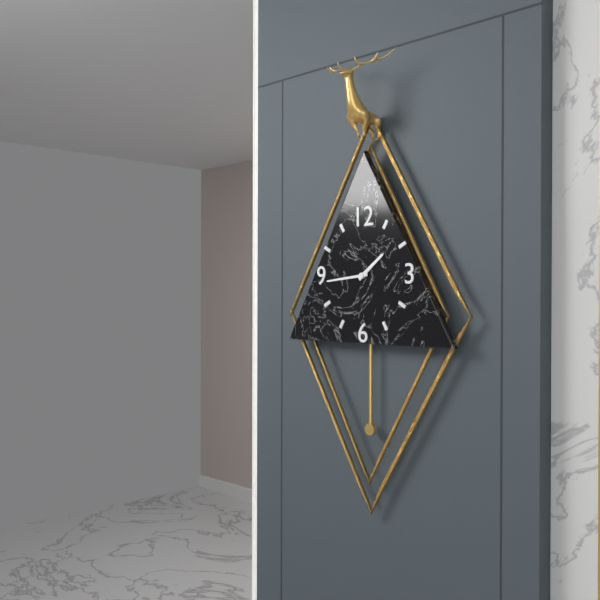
{"hour": 1, "minute": 44}
